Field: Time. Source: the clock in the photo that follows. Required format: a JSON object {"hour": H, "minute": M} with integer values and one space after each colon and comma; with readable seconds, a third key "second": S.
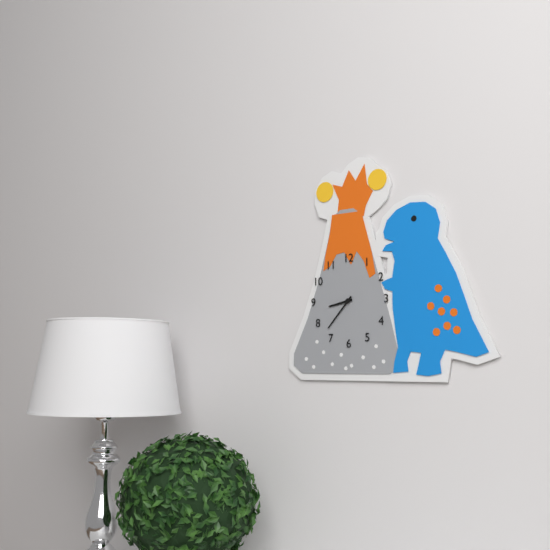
{"hour": 8, "minute": 37}
